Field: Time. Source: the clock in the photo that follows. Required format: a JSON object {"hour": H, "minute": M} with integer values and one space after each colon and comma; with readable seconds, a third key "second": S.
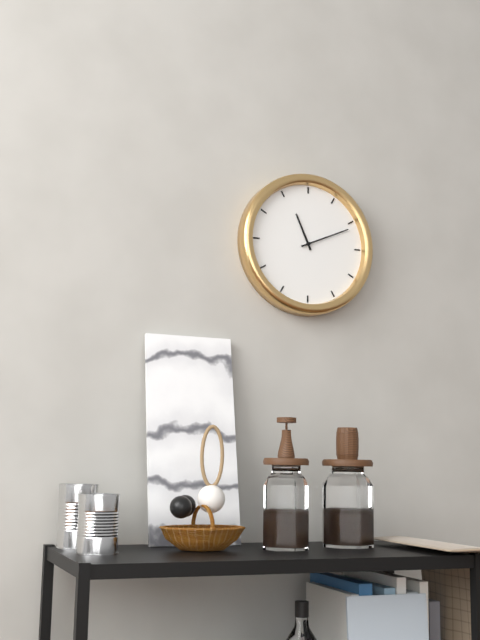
{"hour": 11, "minute": 11}
